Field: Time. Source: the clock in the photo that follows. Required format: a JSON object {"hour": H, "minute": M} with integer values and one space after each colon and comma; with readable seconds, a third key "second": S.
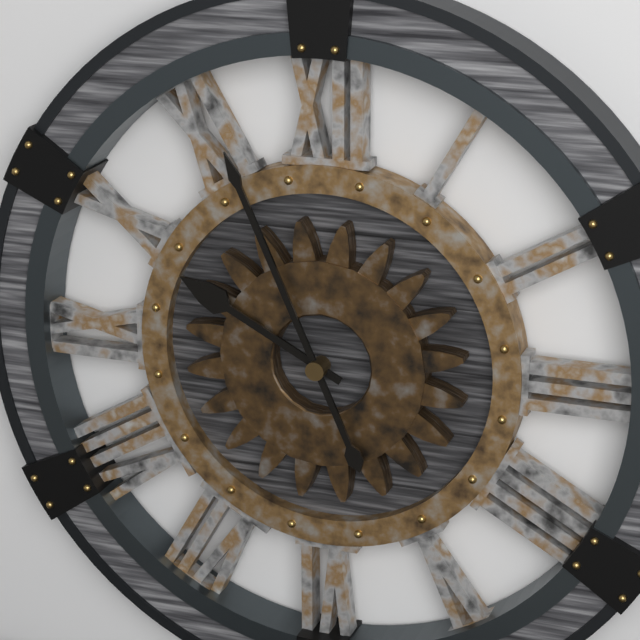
{"hour": 9, "minute": 56}
